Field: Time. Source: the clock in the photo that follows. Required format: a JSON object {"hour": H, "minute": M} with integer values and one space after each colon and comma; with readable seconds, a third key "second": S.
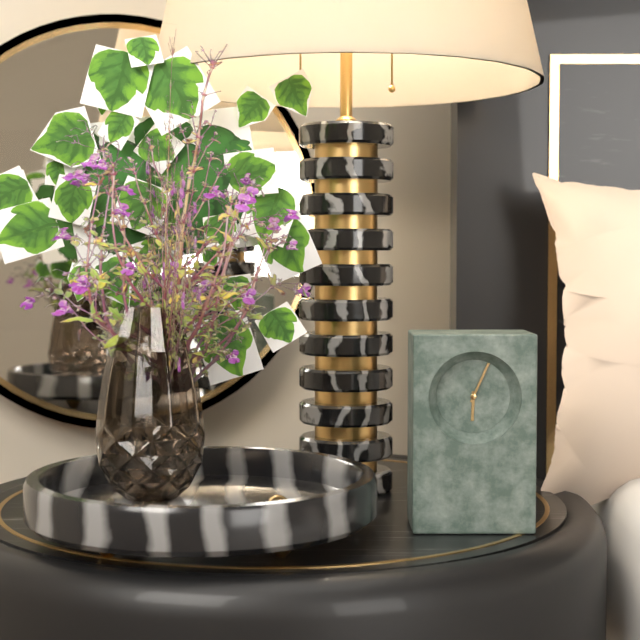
{"hour": 6, "minute": 4}
